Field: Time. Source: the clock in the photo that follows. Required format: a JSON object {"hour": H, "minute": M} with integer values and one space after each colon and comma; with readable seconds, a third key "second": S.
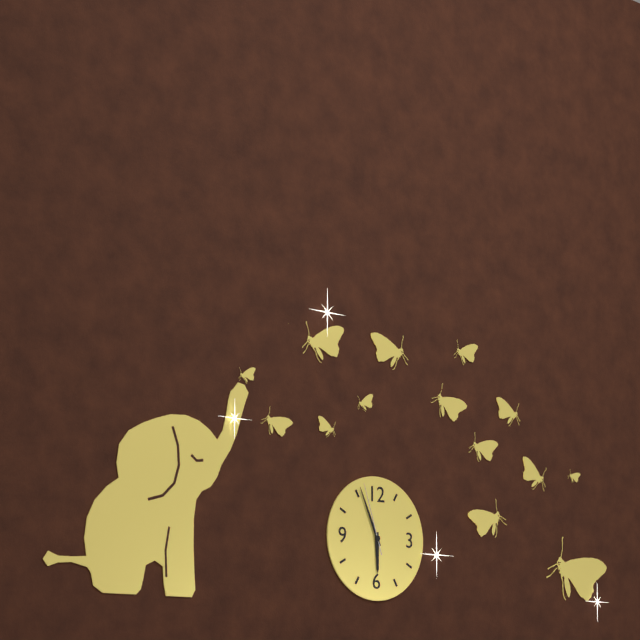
{"hour": 5, "minute": 56, "second": 57}
